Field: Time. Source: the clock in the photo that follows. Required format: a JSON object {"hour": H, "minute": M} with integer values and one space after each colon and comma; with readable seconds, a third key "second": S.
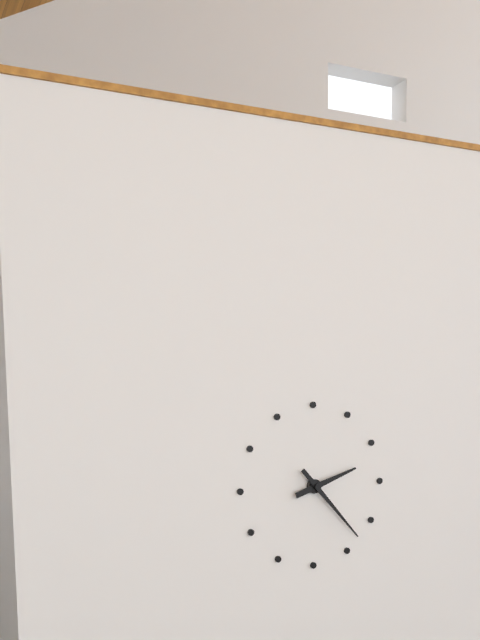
{"hour": 2, "minute": 23}
